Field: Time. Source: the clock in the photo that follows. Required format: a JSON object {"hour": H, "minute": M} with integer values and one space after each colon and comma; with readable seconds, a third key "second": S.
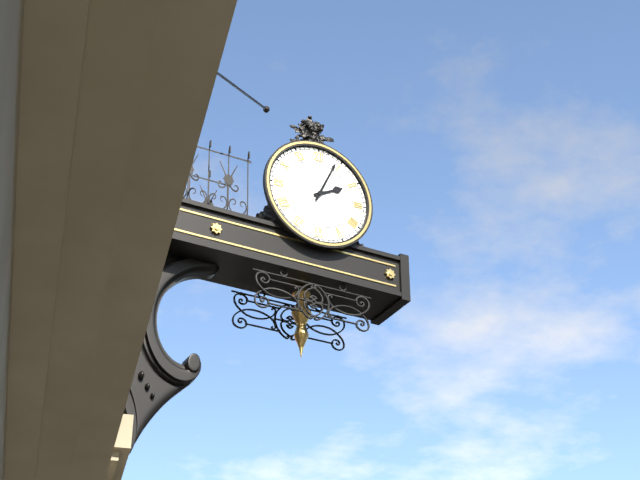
{"hour": 2, "minute": 4}
